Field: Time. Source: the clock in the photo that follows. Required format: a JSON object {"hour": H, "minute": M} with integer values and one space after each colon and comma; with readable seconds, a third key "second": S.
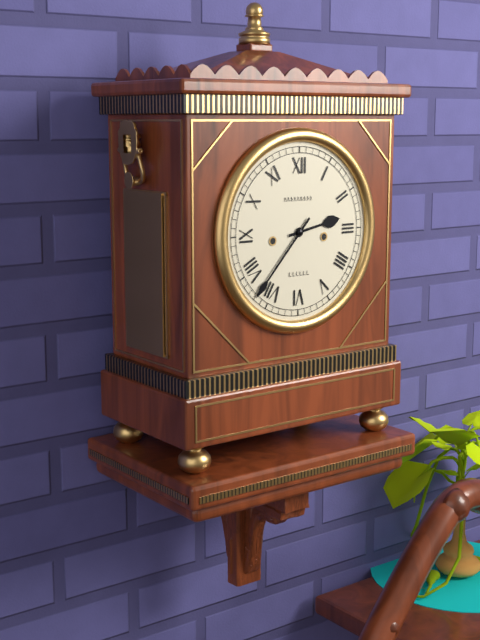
{"hour": 2, "minute": 37}
